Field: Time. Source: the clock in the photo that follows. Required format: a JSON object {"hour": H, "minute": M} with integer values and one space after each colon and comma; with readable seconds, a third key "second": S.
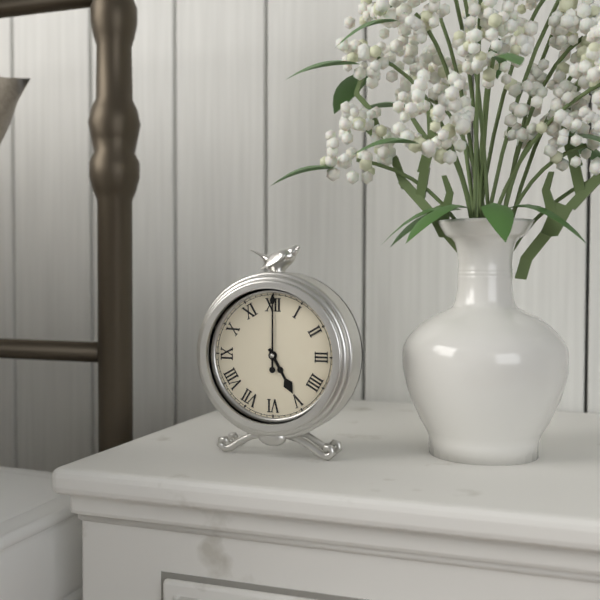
{"hour": 5, "minute": 0}
